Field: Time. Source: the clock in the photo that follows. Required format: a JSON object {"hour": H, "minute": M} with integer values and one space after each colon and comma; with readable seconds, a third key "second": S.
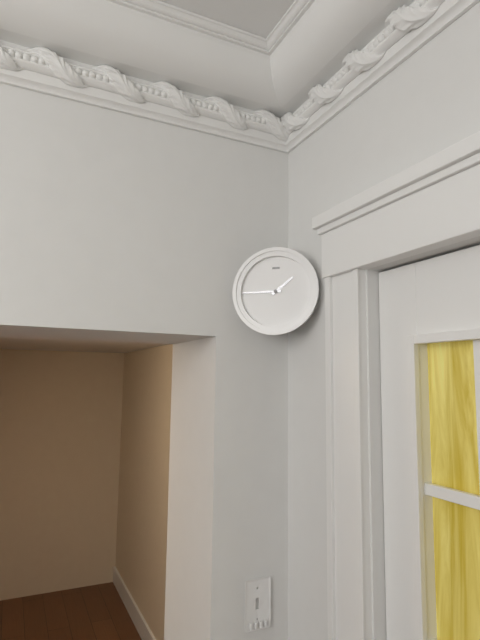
{"hour": 1, "minute": 45}
